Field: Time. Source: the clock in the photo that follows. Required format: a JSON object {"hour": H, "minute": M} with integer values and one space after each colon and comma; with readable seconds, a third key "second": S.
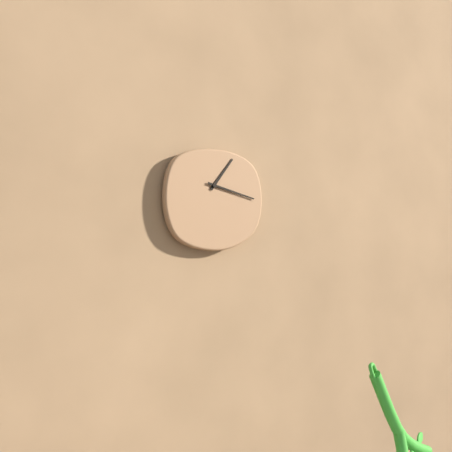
{"hour": 1, "minute": 17}
